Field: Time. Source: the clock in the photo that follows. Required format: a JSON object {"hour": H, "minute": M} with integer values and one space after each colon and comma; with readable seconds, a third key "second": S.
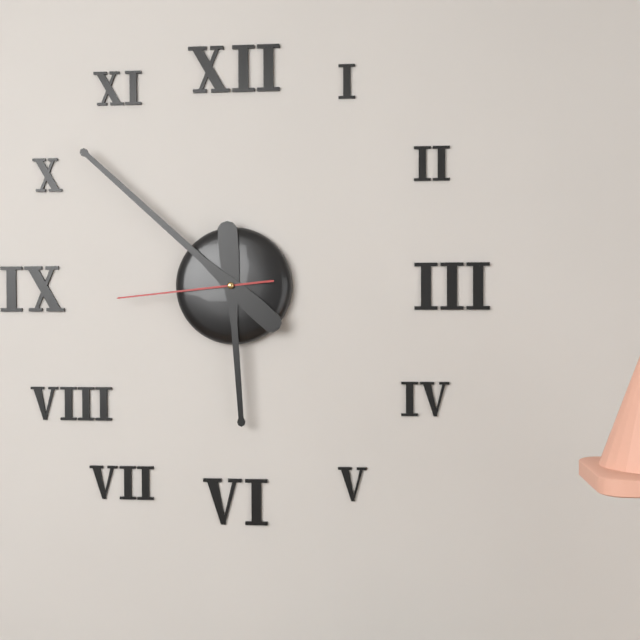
{"hour": 5, "minute": 52, "second": 44}
